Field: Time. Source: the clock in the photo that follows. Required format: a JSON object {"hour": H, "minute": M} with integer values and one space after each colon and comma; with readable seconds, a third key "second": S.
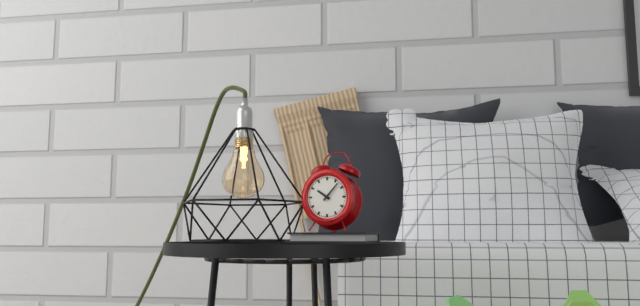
{"hour": 10, "minute": 7}
